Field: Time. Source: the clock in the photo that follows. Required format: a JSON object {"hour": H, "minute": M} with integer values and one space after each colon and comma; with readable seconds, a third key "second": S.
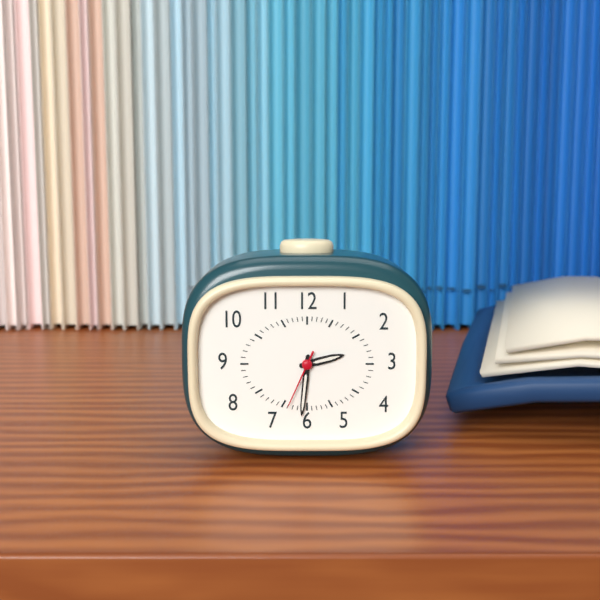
{"hour": 2, "minute": 31, "second": 34}
